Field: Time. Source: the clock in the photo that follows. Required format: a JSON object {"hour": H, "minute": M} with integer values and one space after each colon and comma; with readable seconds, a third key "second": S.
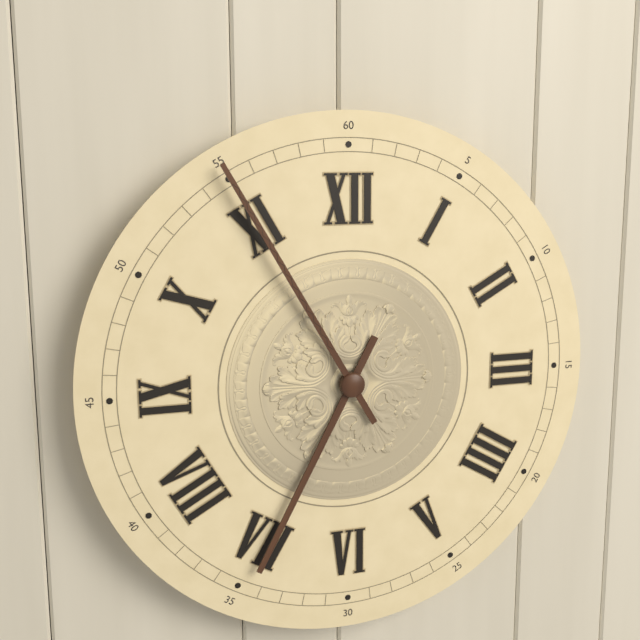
{"hour": 6, "minute": 55}
